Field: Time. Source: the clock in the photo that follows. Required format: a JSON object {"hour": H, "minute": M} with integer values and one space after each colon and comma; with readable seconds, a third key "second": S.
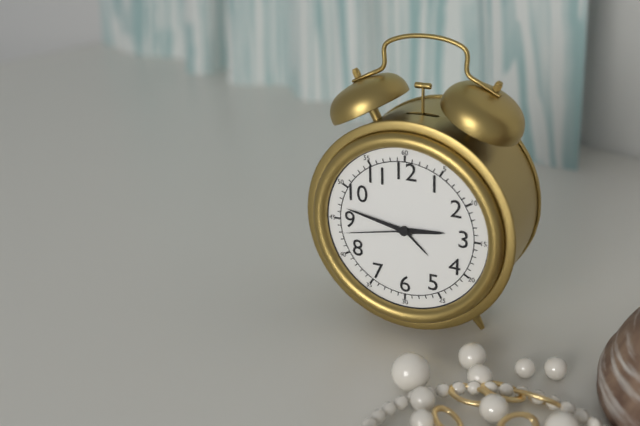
{"hour": 2, "minute": 47, "second": 43}
